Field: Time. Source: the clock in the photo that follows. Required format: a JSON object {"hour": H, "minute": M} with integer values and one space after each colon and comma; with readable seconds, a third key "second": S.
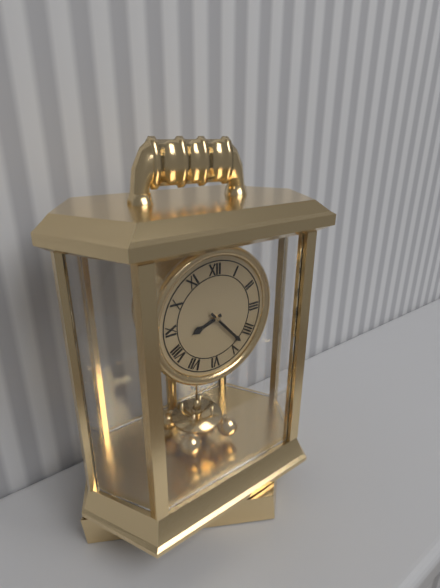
{"hour": 8, "minute": 23}
